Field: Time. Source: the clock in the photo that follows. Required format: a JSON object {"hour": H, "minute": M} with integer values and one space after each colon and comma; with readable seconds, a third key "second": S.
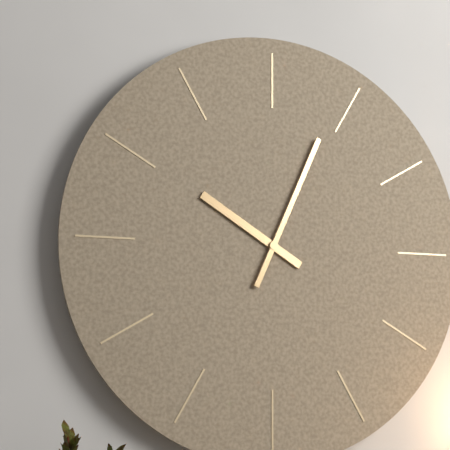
{"hour": 10, "minute": 4}
